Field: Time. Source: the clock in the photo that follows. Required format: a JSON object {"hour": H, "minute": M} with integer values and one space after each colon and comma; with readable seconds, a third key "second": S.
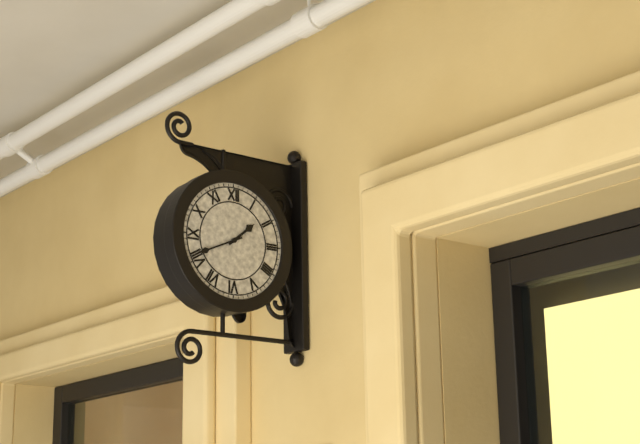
{"hour": 1, "minute": 41}
